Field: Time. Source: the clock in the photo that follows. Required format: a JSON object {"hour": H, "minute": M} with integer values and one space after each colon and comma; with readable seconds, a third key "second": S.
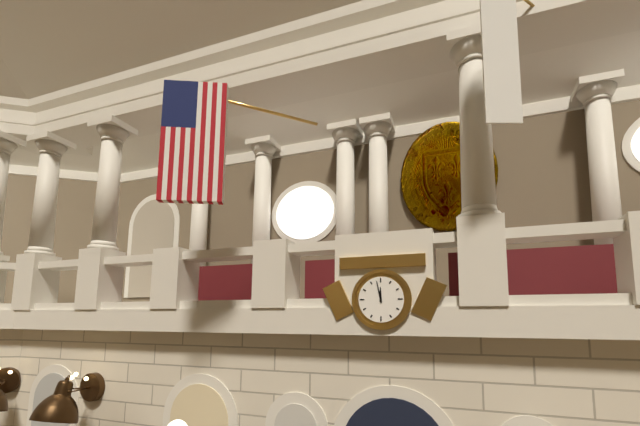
{"hour": 11, "minute": 58}
